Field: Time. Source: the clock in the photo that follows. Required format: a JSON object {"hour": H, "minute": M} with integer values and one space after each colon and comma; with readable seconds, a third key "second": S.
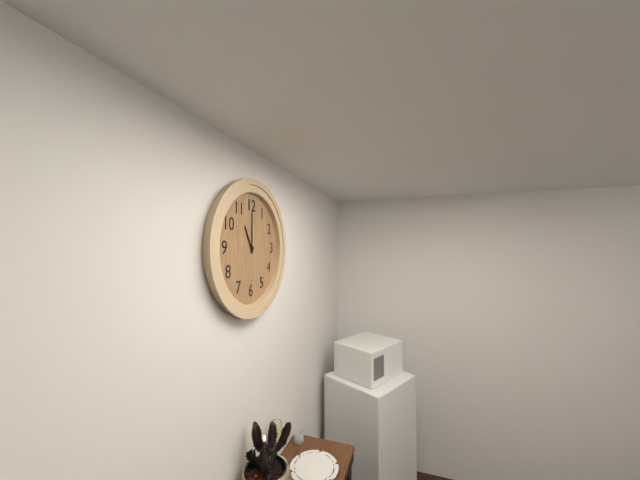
{"hour": 11, "minute": 0}
